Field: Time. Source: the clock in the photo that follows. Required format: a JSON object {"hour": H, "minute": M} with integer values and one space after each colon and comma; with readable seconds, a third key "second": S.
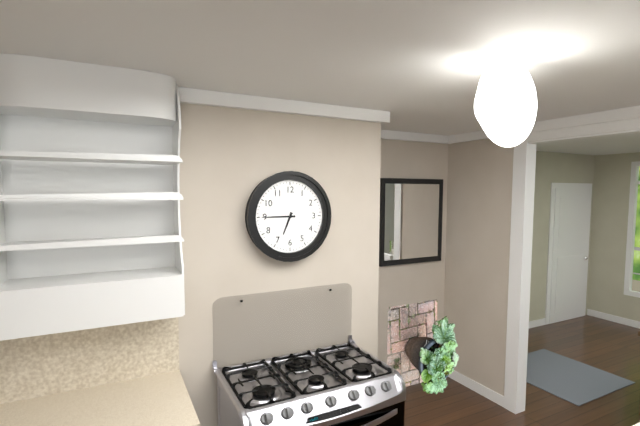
{"hour": 6, "minute": 45}
